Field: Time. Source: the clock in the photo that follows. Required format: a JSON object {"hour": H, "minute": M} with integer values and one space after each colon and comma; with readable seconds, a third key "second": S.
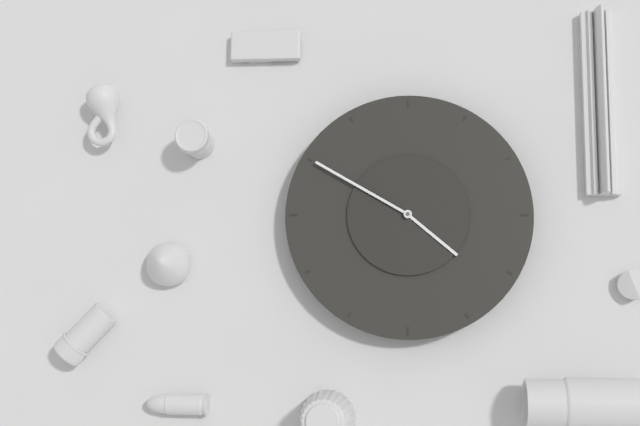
{"hour": 10, "minute": 20}
